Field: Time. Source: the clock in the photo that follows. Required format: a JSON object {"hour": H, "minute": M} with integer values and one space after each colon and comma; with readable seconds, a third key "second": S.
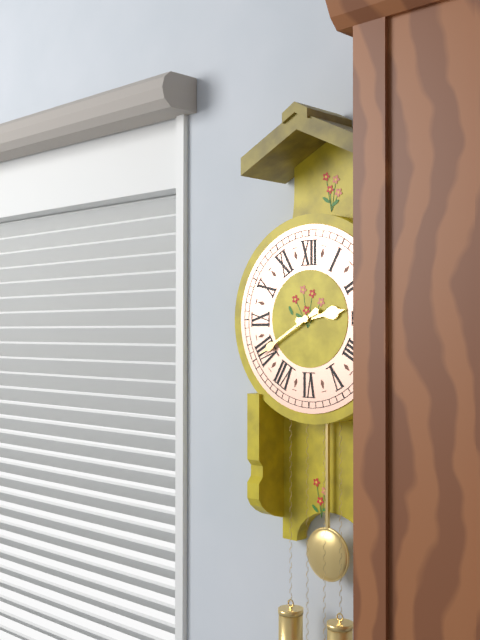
{"hour": 2, "minute": 40}
